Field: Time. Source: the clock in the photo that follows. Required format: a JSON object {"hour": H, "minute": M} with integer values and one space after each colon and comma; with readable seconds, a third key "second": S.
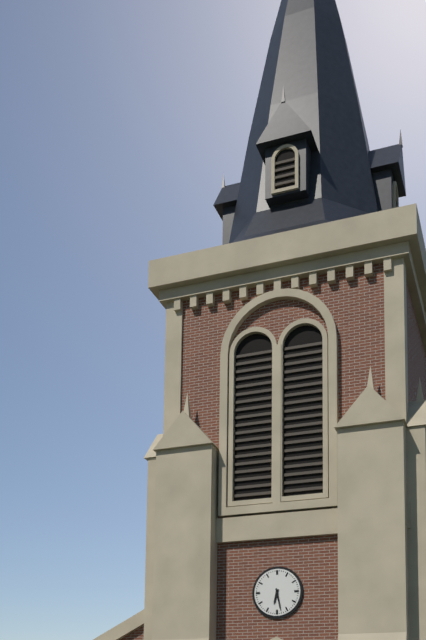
{"hour": 6, "minute": 28}
